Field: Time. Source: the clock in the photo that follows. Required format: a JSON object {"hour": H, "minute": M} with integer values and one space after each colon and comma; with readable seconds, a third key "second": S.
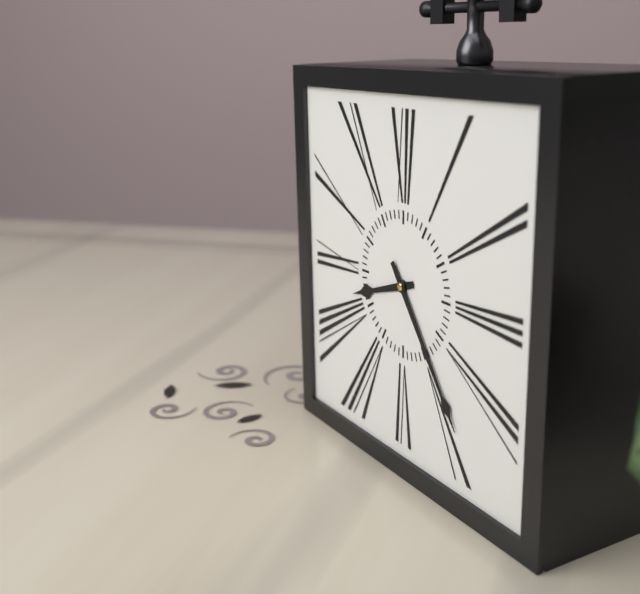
{"hour": 8, "minute": 24}
